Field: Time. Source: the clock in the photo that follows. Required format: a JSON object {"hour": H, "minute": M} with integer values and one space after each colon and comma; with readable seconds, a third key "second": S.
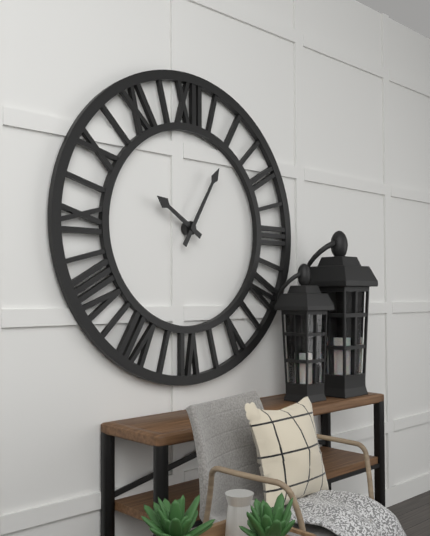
{"hour": 10, "minute": 5}
